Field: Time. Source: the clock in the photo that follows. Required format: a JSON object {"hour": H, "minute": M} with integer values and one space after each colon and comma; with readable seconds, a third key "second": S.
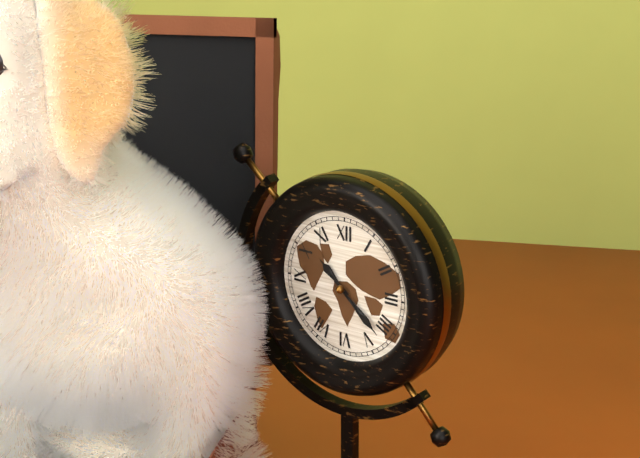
{"hour": 10, "minute": 22}
